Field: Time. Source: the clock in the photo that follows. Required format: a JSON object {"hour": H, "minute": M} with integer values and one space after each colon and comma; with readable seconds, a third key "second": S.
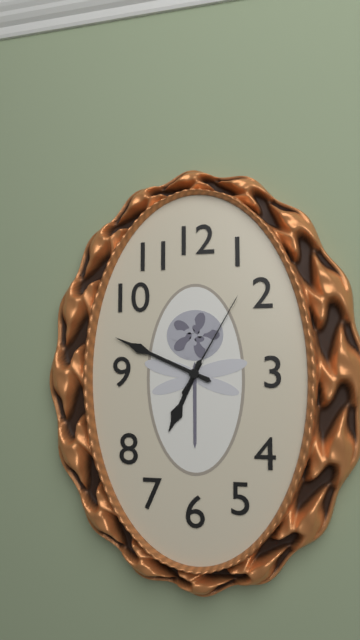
{"hour": 6, "minute": 49, "second": 5}
